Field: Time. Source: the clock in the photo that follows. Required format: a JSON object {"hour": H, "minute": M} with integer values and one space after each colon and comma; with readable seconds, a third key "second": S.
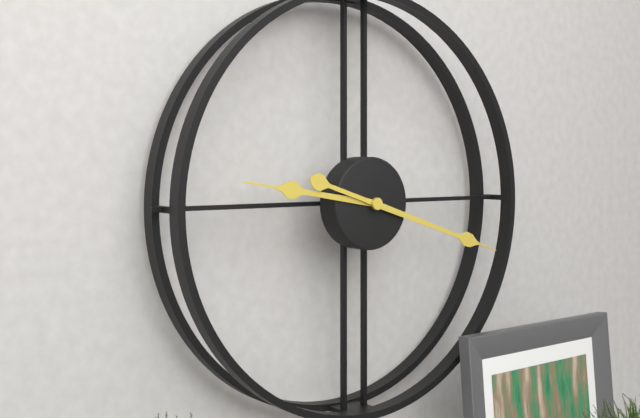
{"hour": 9, "minute": 18}
